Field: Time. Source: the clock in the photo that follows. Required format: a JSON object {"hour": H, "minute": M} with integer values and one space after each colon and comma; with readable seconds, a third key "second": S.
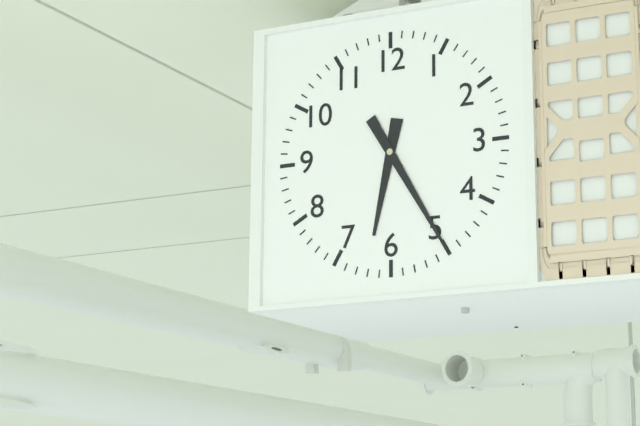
{"hour": 6, "minute": 25}
